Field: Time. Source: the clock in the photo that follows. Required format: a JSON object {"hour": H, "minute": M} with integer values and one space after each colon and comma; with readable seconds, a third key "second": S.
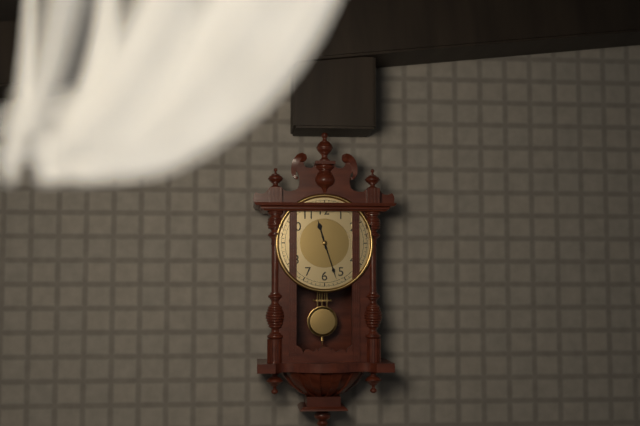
{"hour": 11, "minute": 27}
